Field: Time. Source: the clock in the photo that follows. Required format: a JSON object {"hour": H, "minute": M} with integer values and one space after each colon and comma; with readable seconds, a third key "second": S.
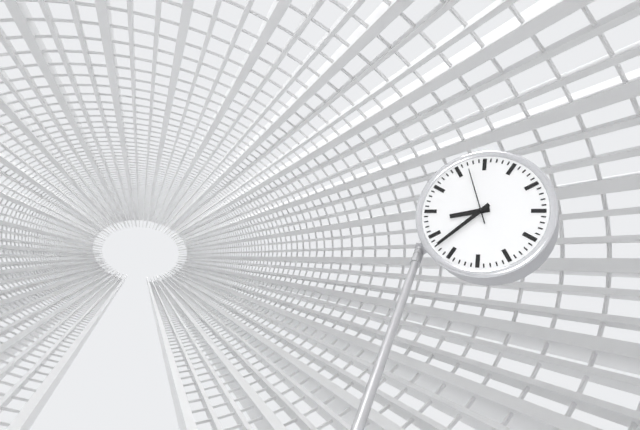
{"hour": 8, "minute": 38, "second": 57}
